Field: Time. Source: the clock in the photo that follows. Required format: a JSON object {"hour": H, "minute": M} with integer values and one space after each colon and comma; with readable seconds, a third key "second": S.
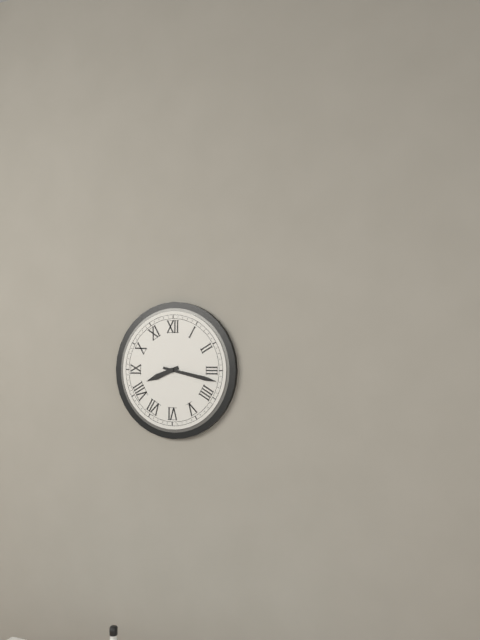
{"hour": 8, "minute": 17}
